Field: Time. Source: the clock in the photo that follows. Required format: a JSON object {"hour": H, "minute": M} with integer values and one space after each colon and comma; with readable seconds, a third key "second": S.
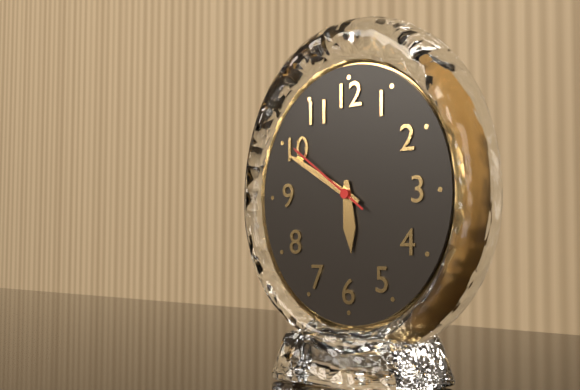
{"hour": 5, "minute": 50, "second": 51}
